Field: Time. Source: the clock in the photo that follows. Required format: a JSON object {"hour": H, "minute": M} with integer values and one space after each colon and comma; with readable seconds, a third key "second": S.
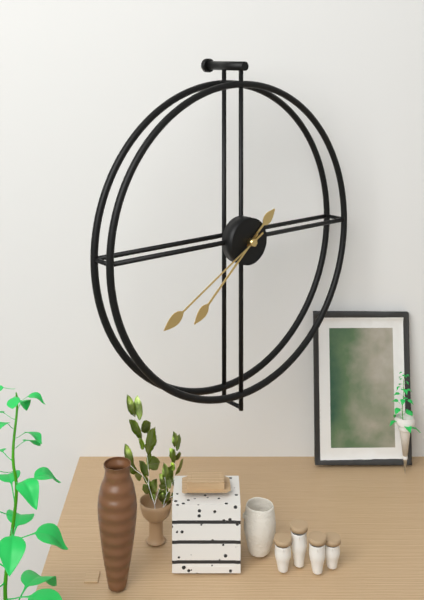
{"hour": 1, "minute": 38, "second": 40}
